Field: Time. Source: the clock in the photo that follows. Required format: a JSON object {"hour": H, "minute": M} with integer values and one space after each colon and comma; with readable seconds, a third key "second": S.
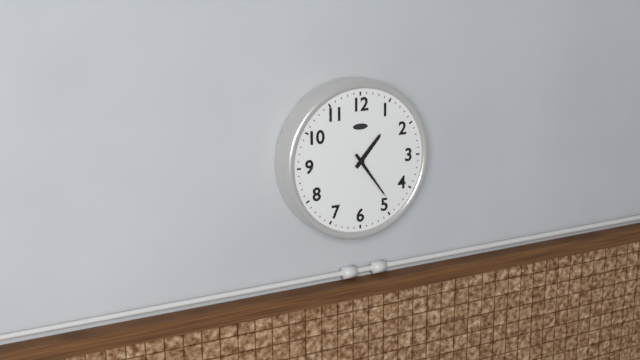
{"hour": 1, "minute": 24}
